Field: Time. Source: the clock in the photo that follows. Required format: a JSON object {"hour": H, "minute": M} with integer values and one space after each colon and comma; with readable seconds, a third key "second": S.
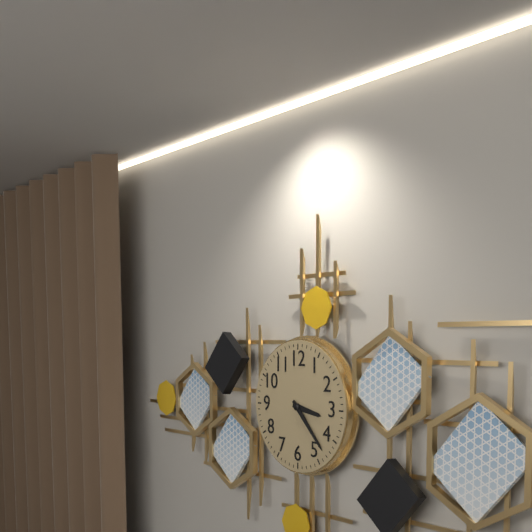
{"hour": 3, "minute": 23}
